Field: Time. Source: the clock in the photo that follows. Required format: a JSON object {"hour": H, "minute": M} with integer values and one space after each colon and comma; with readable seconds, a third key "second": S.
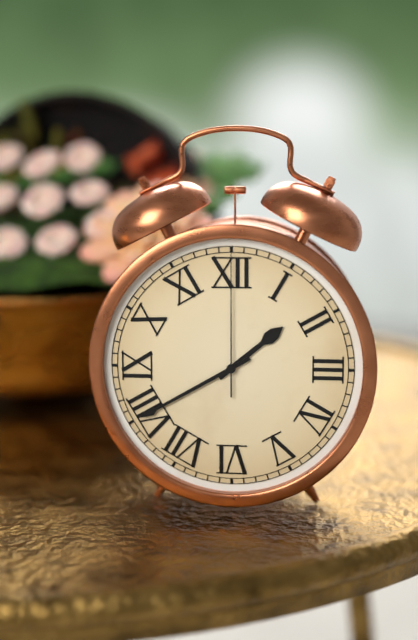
{"hour": 1, "minute": 40, "second": 0}
